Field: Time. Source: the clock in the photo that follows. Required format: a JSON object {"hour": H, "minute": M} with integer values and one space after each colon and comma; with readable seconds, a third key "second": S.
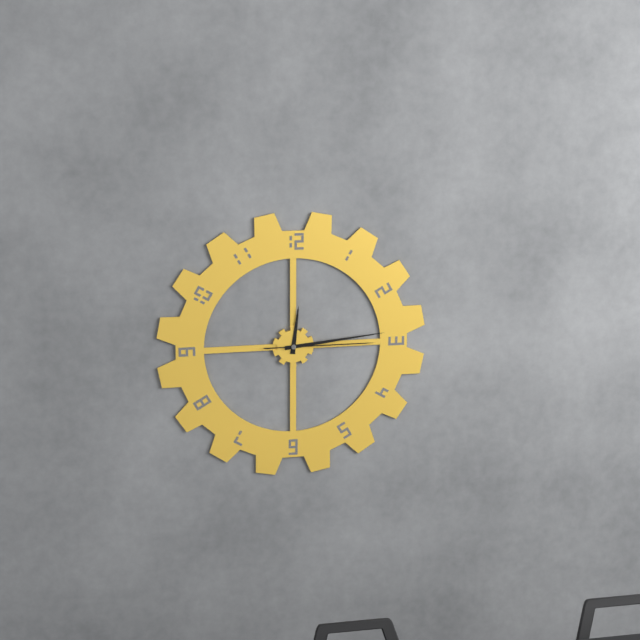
{"hour": 12, "minute": 14, "second": 15}
